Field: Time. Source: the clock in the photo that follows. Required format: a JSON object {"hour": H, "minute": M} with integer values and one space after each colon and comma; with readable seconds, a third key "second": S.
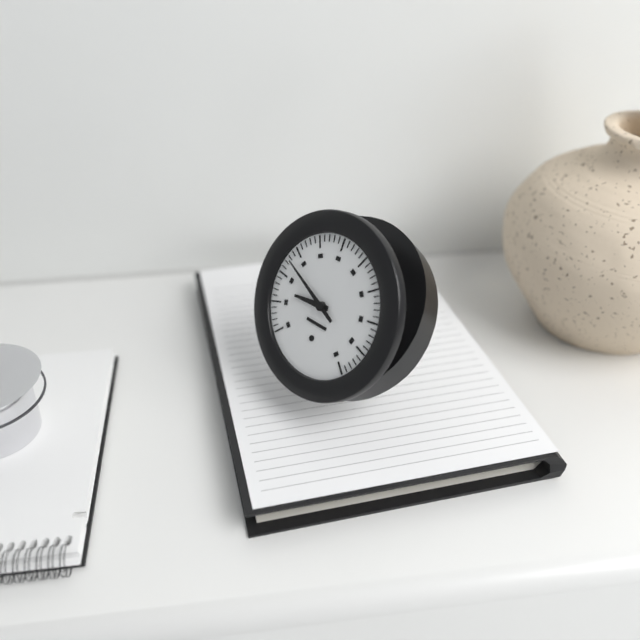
{"hour": 8, "minute": 49}
